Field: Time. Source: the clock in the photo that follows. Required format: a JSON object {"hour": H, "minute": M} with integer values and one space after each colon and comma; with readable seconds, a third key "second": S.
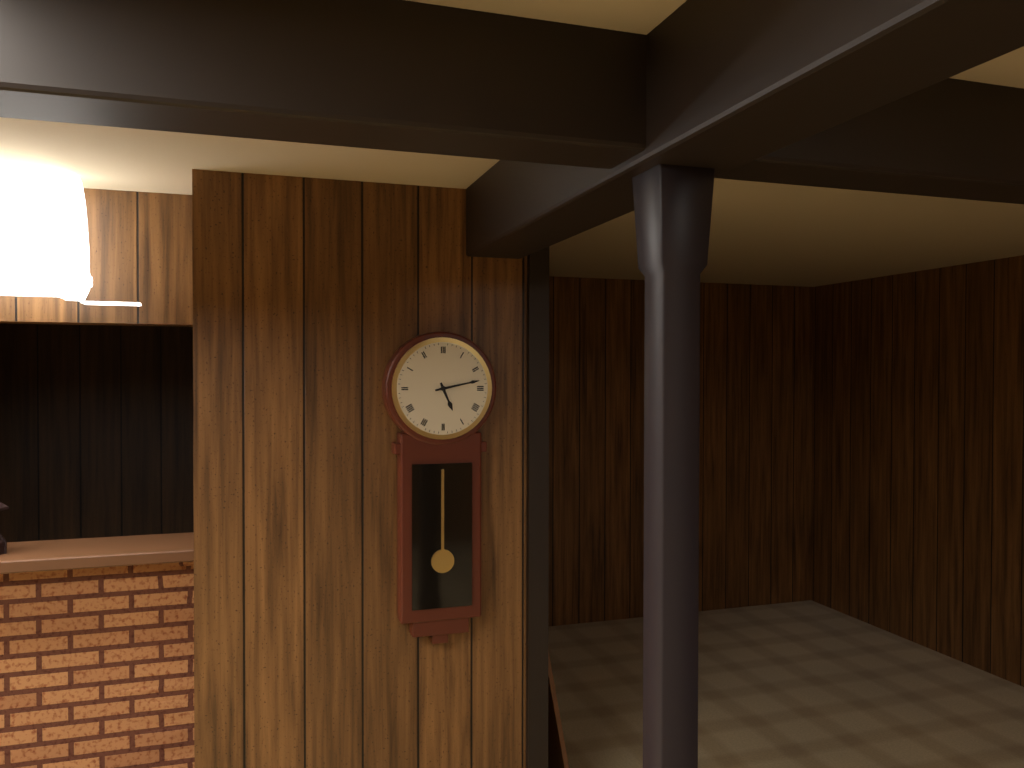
{"hour": 5, "minute": 13}
